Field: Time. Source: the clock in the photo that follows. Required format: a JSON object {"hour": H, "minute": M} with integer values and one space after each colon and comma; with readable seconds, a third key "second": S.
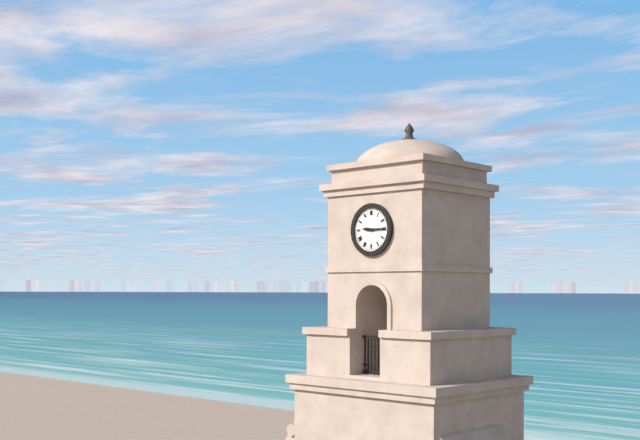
{"hour": 9, "minute": 15}
